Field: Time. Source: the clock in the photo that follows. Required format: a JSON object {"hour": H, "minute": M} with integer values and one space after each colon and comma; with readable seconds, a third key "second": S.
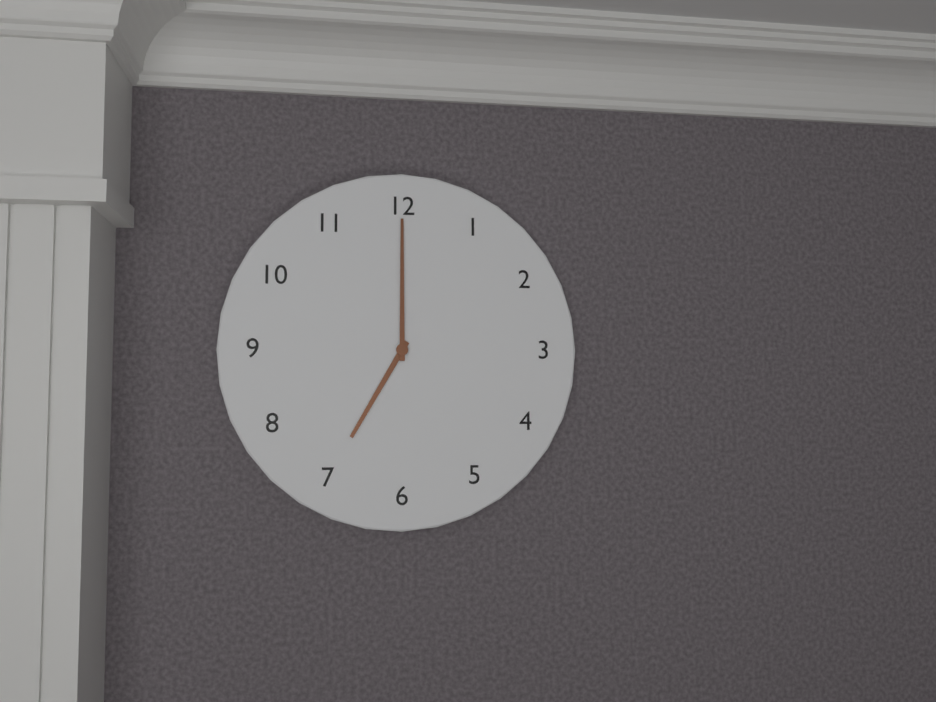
{"hour": 7, "minute": 0}
